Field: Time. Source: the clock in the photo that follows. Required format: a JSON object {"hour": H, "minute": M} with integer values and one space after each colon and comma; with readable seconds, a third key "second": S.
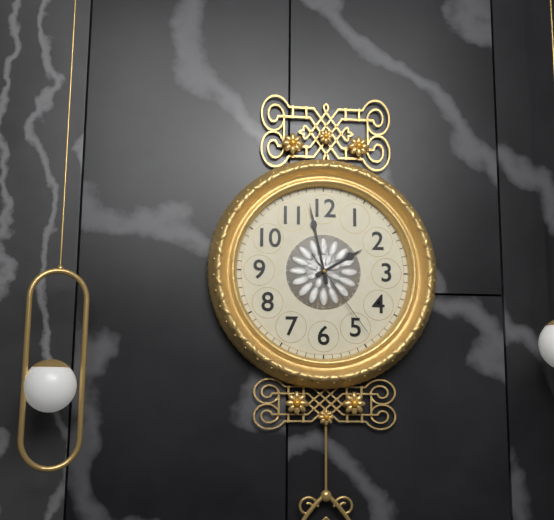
{"hour": 1, "minute": 58, "second": 24}
